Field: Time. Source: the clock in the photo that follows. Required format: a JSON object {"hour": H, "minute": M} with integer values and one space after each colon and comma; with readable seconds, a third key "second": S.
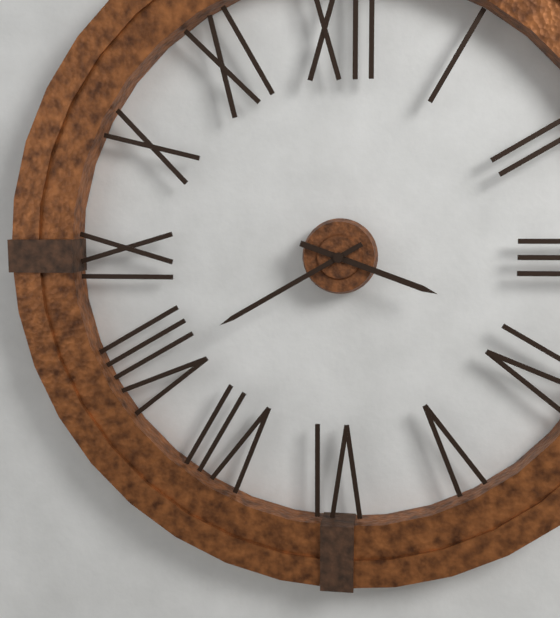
{"hour": 3, "minute": 40}
